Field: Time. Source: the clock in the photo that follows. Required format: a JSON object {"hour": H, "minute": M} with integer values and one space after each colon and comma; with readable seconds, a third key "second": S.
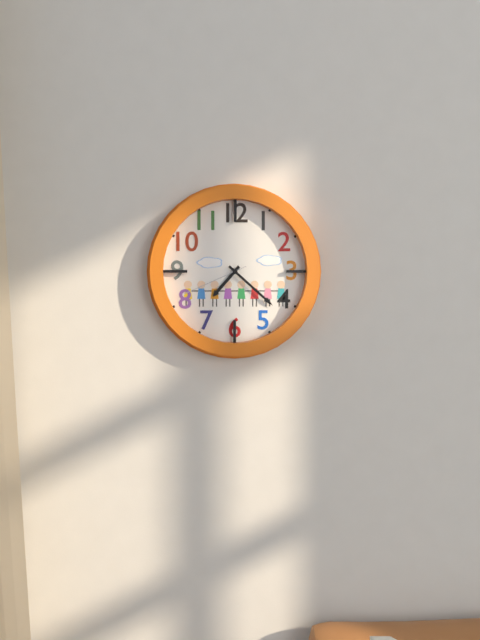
{"hour": 7, "minute": 22, "second": 41}
